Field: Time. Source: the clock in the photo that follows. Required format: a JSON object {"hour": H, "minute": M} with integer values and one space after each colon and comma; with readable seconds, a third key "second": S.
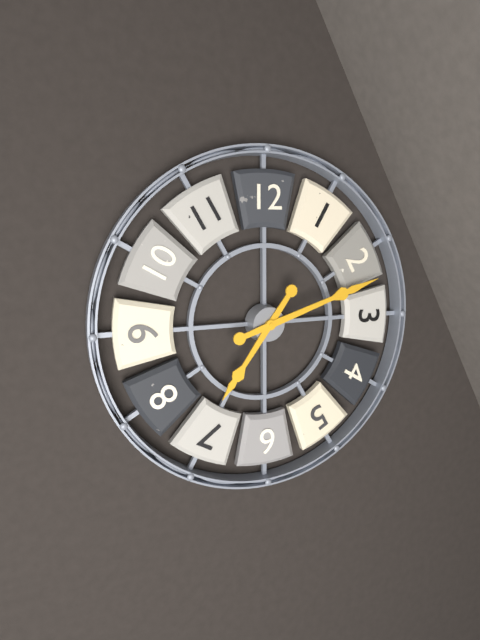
{"hour": 7, "minute": 12}
